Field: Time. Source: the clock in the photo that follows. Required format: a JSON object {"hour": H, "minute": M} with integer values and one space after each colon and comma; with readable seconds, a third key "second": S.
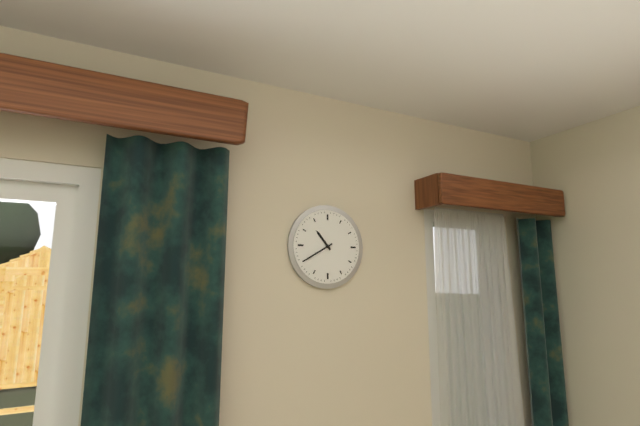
{"hour": 10, "minute": 40}
